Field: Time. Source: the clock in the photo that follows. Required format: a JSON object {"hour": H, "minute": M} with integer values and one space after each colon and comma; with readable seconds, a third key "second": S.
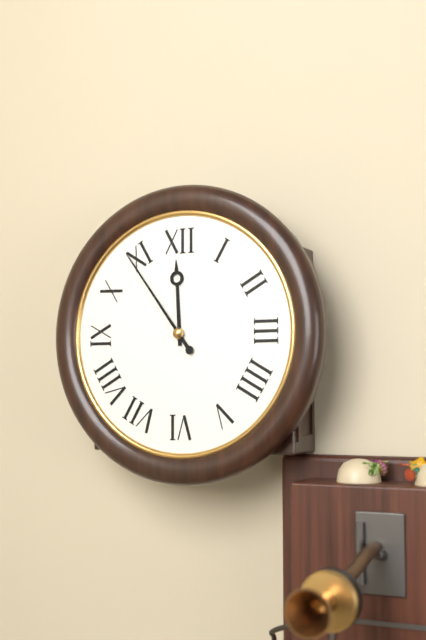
{"hour": 11, "minute": 54}
